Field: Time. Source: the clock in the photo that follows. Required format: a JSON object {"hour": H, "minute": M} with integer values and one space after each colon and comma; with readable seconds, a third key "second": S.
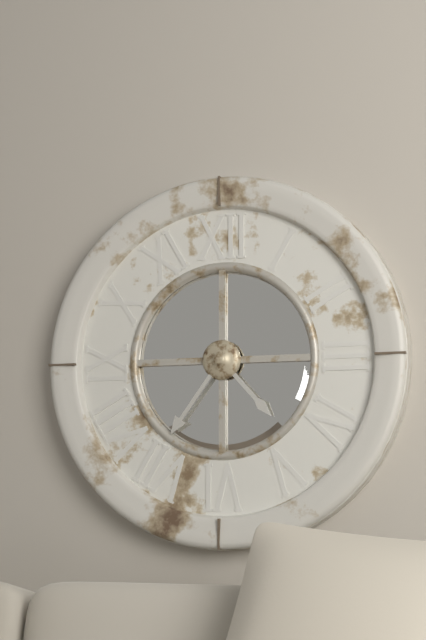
{"hour": 4, "minute": 36}
